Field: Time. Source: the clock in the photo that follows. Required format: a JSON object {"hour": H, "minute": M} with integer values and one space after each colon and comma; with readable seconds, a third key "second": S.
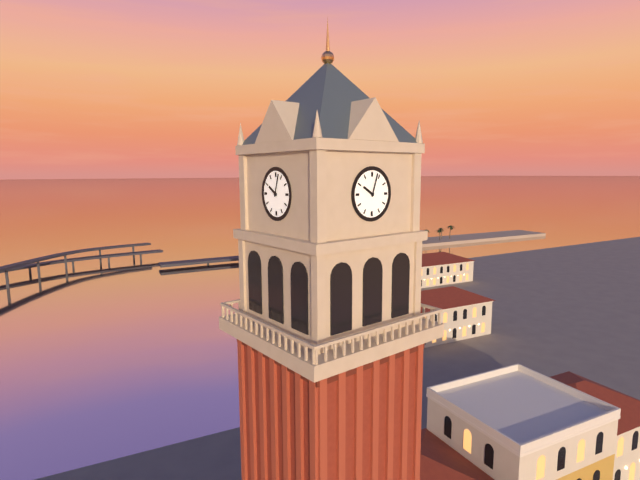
{"hour": 10, "minute": 3}
